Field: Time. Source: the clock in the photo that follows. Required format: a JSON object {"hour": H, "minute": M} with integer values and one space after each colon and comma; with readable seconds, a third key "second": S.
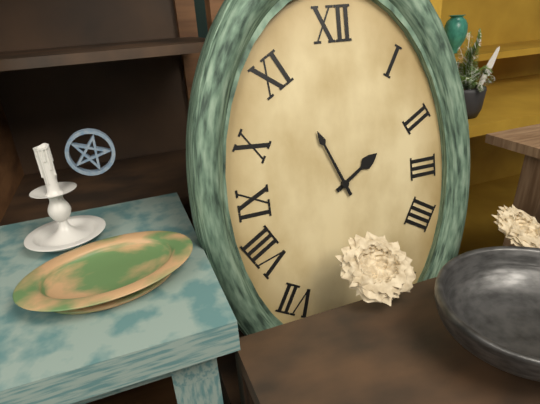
{"hour": 1, "minute": 56}
